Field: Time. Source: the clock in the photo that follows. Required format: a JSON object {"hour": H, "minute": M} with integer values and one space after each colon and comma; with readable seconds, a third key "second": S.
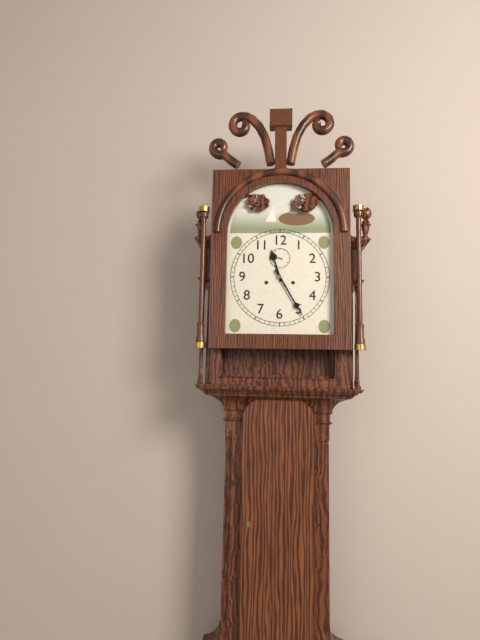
{"hour": 11, "minute": 25}
